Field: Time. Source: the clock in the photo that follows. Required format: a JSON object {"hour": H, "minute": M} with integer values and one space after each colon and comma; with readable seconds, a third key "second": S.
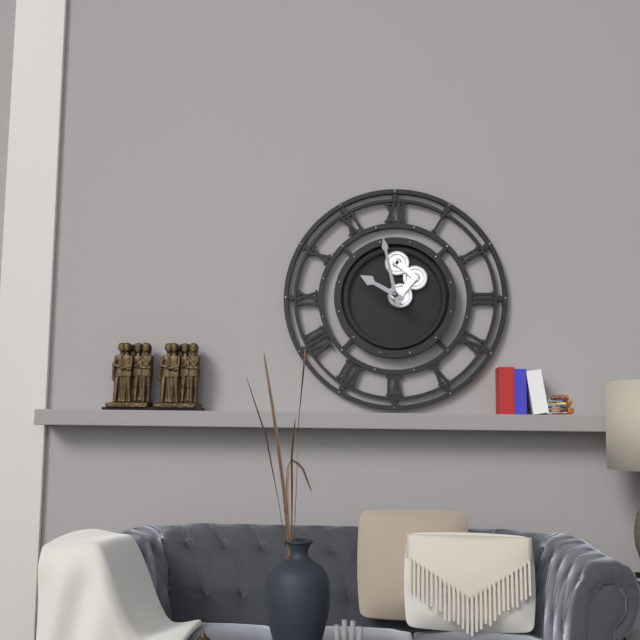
{"hour": 9, "minute": 58}
